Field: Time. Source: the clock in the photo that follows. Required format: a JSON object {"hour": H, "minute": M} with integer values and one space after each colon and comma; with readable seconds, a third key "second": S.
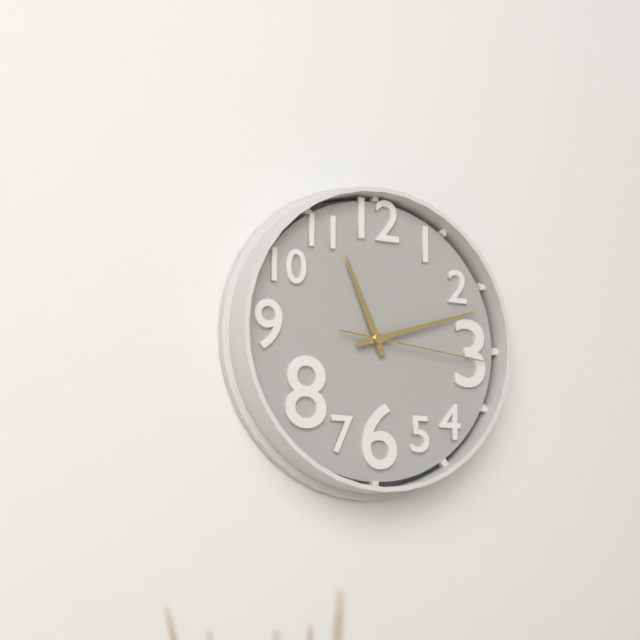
{"hour": 11, "minute": 12, "second": 16}
